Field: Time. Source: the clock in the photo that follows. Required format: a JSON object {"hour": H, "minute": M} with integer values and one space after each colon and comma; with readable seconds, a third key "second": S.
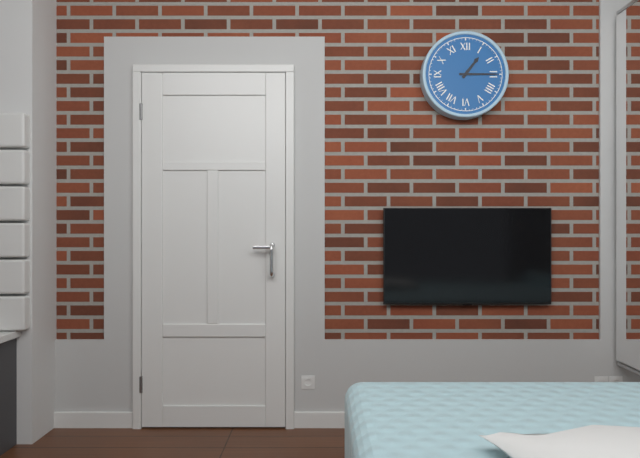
{"hour": 1, "minute": 15}
